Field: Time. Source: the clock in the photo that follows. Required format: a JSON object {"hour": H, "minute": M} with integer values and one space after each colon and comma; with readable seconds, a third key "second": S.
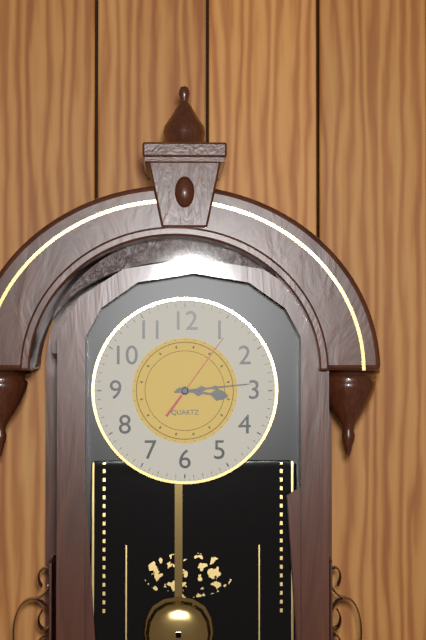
{"hour": 3, "minute": 14, "second": 6}
